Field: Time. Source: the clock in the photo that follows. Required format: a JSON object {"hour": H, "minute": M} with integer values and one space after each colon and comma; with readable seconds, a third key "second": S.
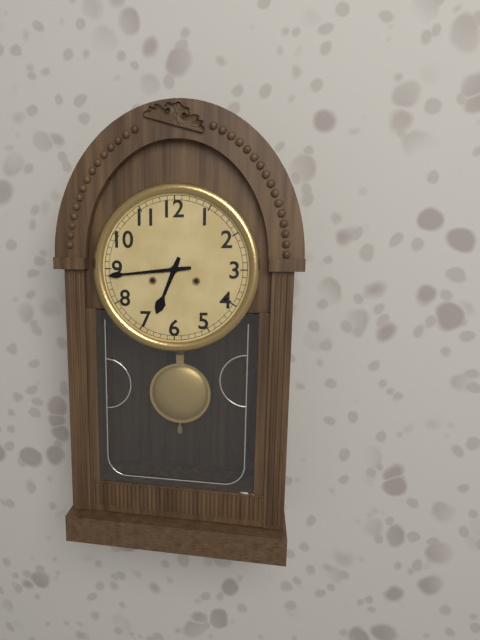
{"hour": 6, "minute": 44}
